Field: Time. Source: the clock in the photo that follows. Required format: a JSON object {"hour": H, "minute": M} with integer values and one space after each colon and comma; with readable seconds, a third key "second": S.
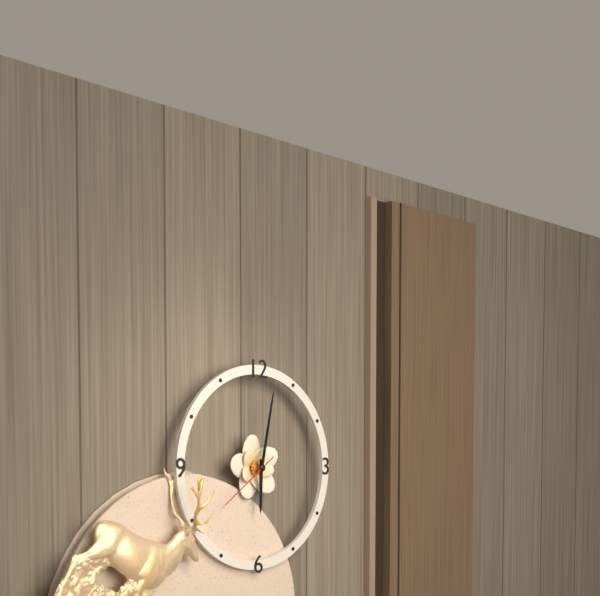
{"hour": 6, "minute": 2, "second": 39}
